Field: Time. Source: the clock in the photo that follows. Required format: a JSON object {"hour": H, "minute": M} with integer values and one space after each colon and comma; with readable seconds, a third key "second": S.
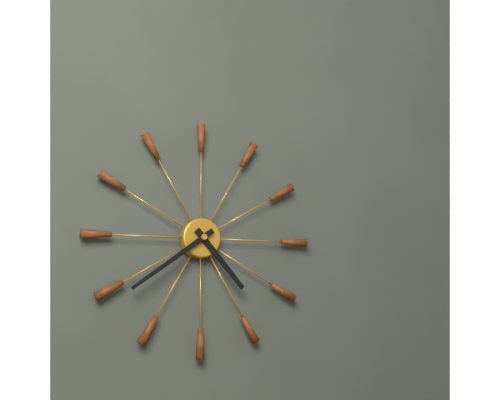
{"hour": 4, "minute": 39}
